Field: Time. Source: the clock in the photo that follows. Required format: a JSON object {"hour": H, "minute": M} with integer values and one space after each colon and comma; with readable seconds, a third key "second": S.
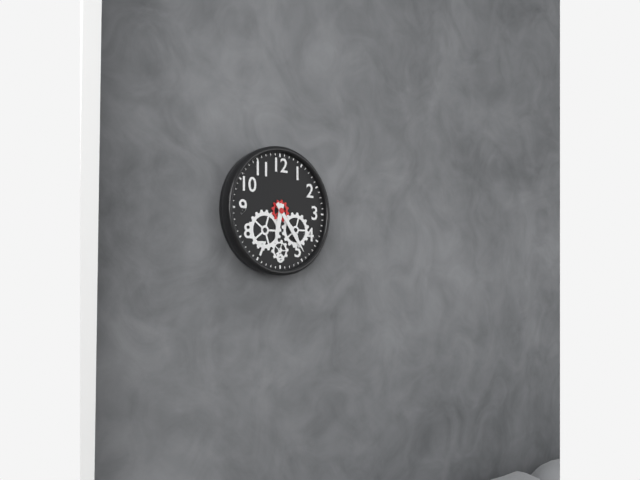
{"hour": 6, "minute": 24}
